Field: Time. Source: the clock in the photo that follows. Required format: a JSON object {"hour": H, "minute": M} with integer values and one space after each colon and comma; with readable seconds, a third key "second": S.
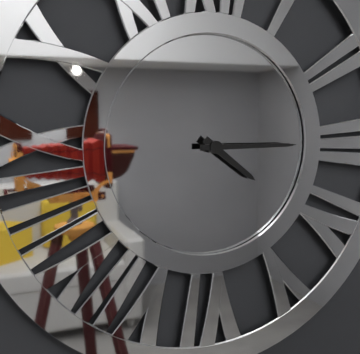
{"hour": 4, "minute": 15}
